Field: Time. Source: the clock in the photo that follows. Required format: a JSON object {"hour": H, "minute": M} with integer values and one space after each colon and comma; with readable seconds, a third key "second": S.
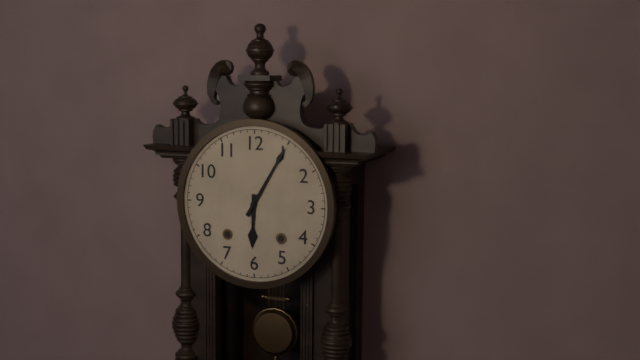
{"hour": 6, "minute": 5}
